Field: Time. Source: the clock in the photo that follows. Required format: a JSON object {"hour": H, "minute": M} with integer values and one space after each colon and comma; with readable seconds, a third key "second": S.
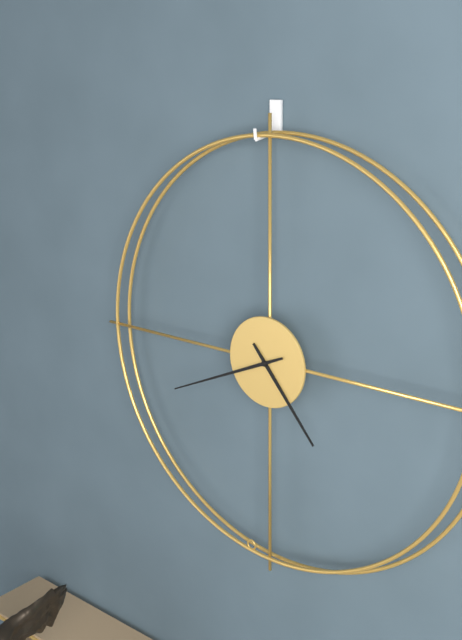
{"hour": 4, "minute": 41}
